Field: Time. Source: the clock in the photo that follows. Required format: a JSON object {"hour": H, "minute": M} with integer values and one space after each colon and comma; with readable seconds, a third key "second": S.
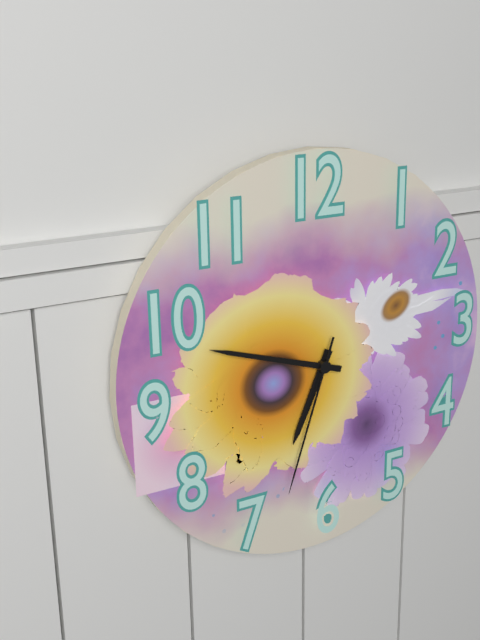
{"hour": 6, "minute": 48, "second": 33}
